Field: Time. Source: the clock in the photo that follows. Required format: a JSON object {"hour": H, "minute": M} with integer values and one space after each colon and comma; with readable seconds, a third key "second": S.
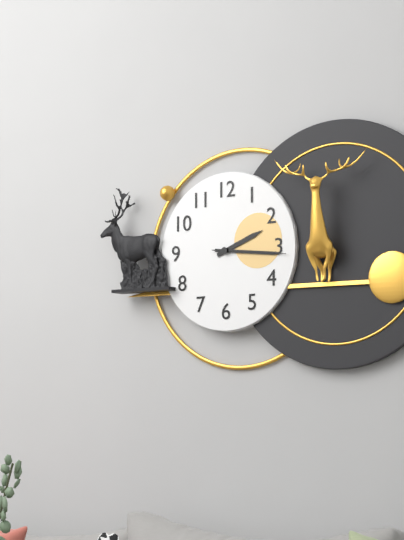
{"hour": 2, "minute": 16, "second": 16}
